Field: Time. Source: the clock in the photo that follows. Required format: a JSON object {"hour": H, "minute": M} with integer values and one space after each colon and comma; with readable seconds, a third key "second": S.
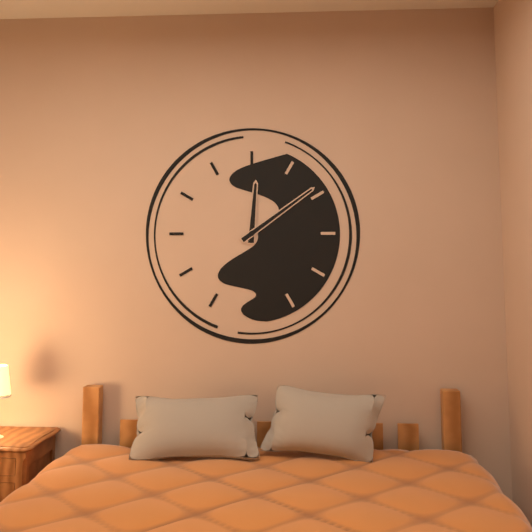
{"hour": 12, "minute": 9}
